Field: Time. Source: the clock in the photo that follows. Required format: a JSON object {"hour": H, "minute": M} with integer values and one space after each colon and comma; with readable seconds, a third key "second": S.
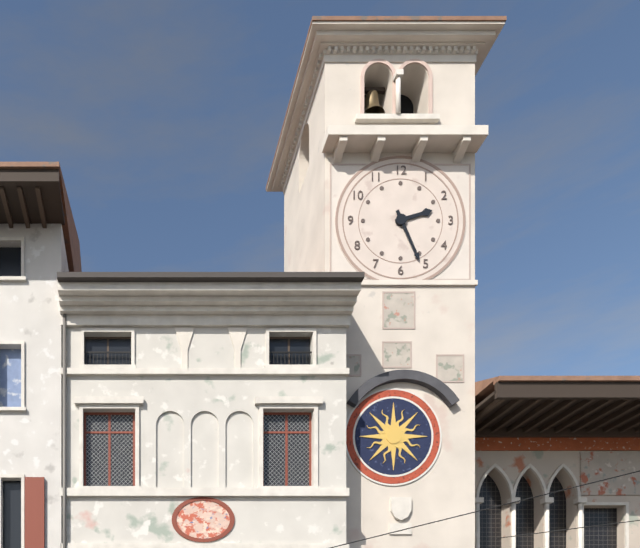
{"hour": 2, "minute": 26}
